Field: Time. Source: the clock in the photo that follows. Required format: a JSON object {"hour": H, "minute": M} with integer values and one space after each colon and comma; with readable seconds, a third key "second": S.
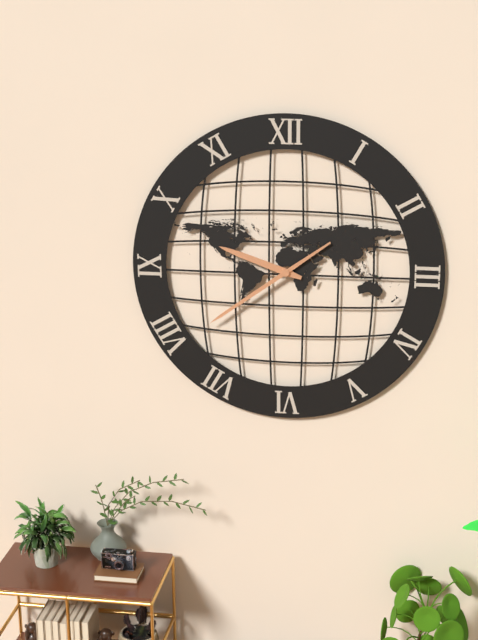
{"hour": 9, "minute": 39}
